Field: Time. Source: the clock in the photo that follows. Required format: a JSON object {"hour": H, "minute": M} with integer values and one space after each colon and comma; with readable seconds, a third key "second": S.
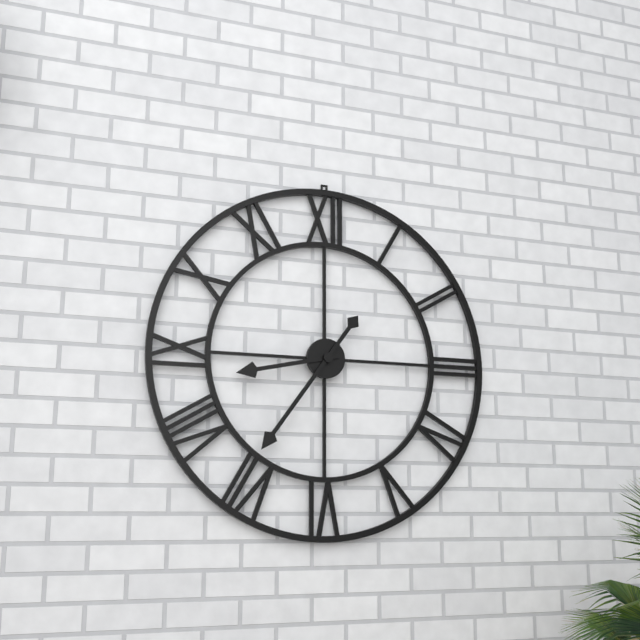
{"hour": 8, "minute": 36}
